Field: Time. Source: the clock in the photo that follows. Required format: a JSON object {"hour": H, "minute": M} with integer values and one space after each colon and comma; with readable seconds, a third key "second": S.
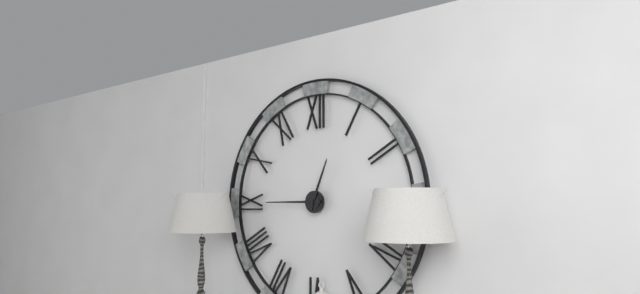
{"hour": 12, "minute": 45}
